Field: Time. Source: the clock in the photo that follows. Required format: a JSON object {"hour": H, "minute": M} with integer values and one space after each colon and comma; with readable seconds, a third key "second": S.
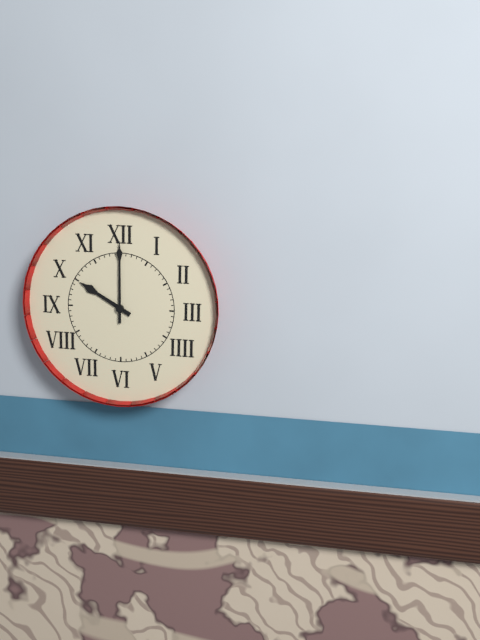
{"hour": 10, "minute": 0}
